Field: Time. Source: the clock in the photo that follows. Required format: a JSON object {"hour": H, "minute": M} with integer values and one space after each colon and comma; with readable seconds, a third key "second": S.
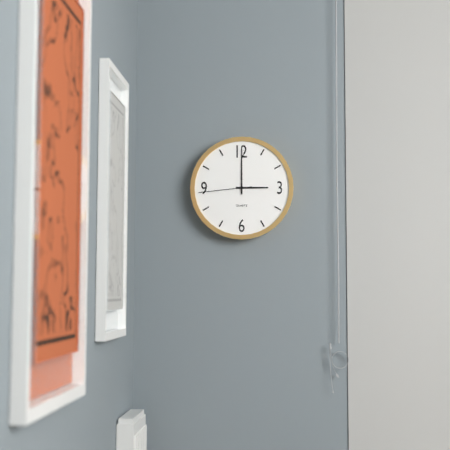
{"hour": 3, "minute": 0, "second": 44}
